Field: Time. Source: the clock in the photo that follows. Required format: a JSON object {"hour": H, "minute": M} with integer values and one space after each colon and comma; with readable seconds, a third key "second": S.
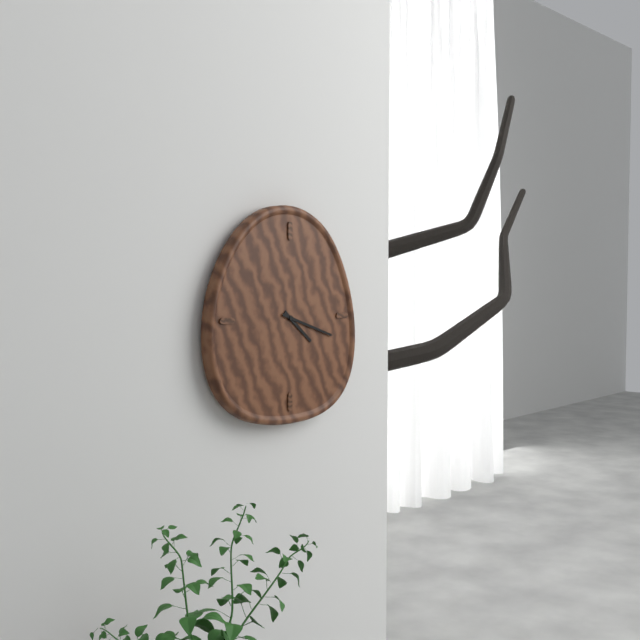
{"hour": 4, "minute": 18}
